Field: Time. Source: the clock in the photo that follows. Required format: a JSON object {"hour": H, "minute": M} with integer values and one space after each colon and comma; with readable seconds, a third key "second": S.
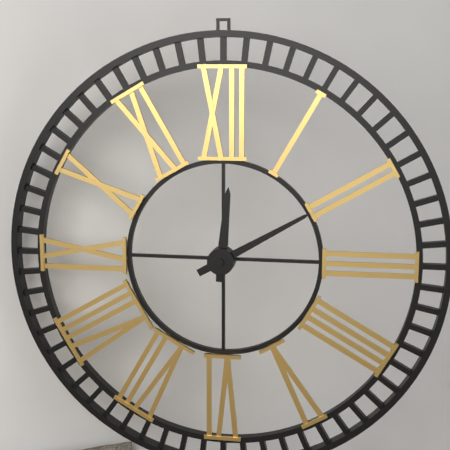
{"hour": 12, "minute": 10}
